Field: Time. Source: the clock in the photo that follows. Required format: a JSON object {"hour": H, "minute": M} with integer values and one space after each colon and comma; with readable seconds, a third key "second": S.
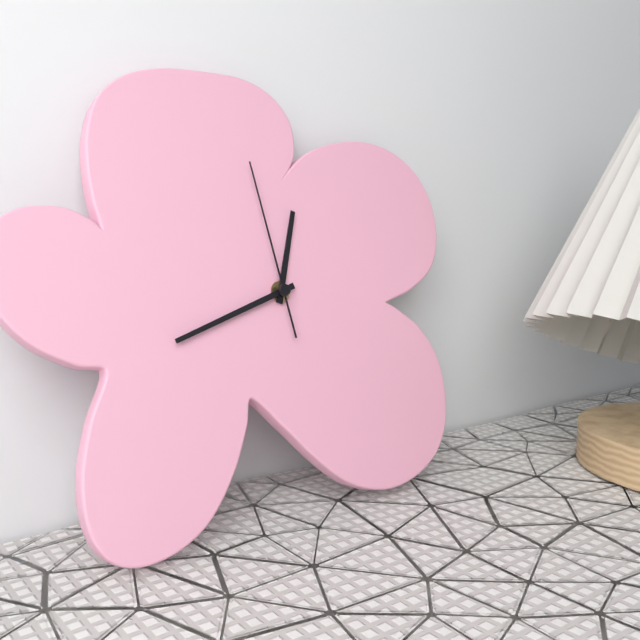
{"hour": 12, "minute": 42, "second": 59}
